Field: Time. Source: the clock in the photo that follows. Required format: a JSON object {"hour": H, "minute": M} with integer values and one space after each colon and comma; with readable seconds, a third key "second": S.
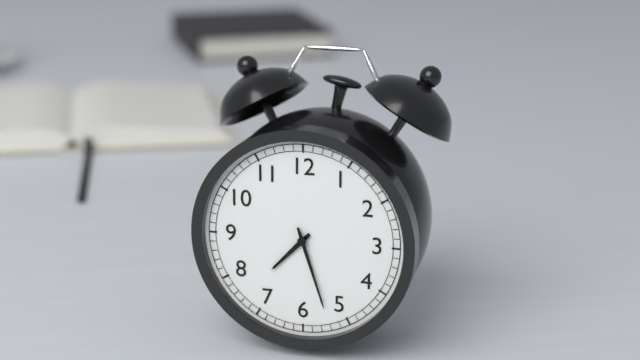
{"hour": 7, "minute": 27}
